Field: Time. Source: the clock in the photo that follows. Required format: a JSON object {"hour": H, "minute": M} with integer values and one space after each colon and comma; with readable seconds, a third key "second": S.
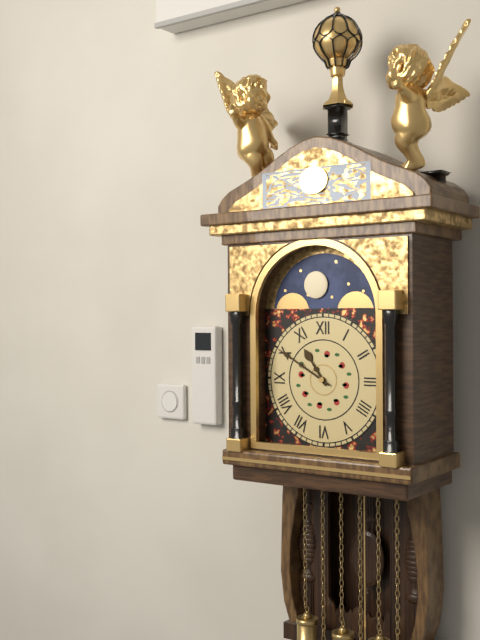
{"hour": 10, "minute": 50}
